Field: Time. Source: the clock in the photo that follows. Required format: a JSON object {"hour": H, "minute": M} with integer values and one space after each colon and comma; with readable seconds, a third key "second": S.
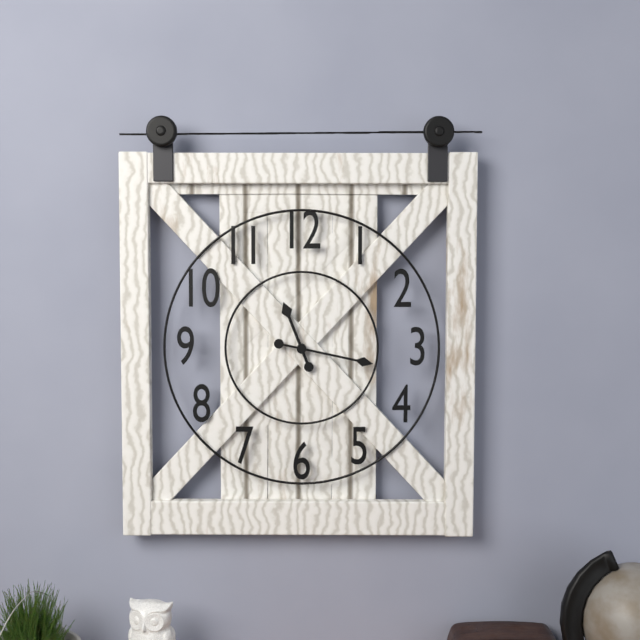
{"hour": 11, "minute": 17}
